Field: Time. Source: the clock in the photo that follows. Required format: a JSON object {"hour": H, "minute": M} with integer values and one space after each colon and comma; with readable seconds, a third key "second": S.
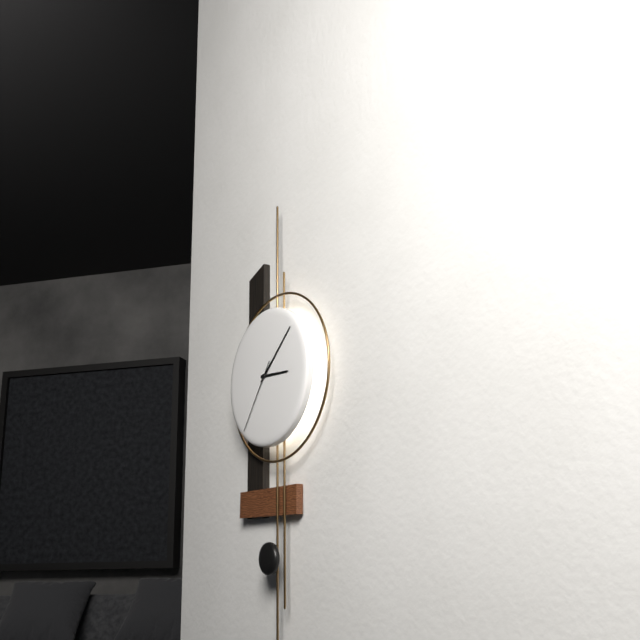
{"hour": 3, "minute": 8, "second": 36}
